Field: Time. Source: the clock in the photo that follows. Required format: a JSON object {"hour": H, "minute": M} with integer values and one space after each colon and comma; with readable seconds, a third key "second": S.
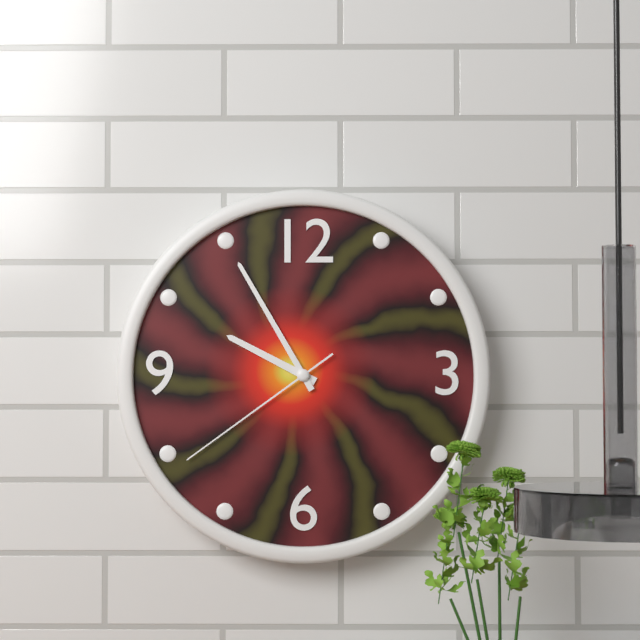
{"hour": 9, "minute": 55, "second": 39}
